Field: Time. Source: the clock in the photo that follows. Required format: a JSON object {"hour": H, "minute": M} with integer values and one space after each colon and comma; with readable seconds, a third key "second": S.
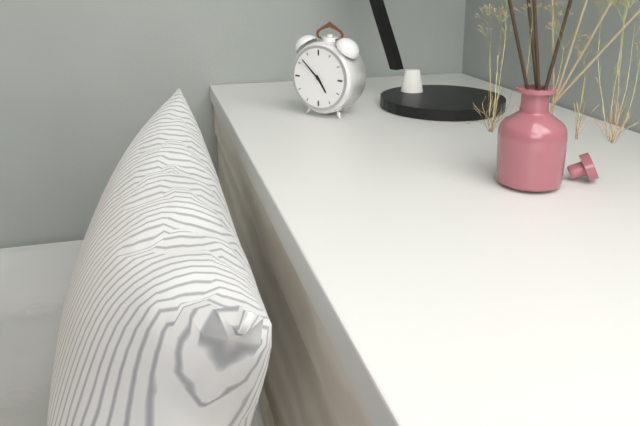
{"hour": 4, "minute": 52}
